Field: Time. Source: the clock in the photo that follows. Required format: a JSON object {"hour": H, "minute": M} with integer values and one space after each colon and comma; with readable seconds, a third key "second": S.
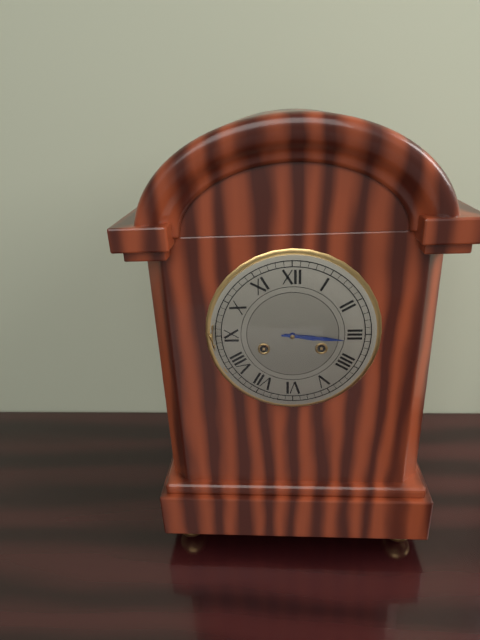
{"hour": 3, "minute": 16}
